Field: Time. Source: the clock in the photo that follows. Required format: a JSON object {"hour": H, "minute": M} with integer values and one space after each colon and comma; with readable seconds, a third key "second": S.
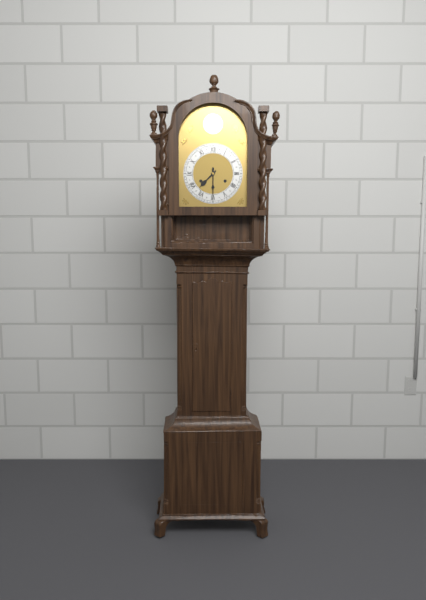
{"hour": 7, "minute": 30}
